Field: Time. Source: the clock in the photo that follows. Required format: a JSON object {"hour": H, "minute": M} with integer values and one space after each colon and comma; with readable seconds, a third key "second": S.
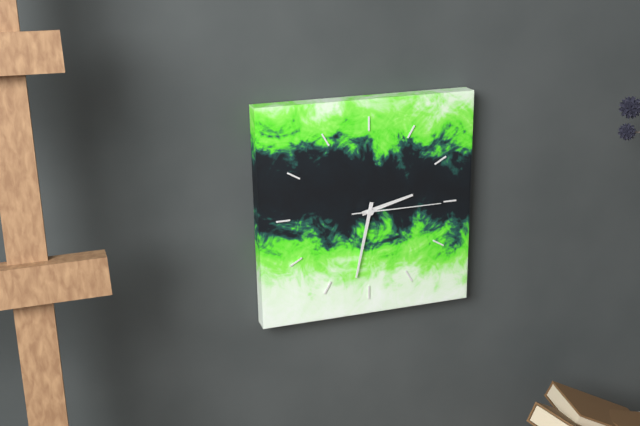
{"hour": 2, "minute": 32, "second": 15}
